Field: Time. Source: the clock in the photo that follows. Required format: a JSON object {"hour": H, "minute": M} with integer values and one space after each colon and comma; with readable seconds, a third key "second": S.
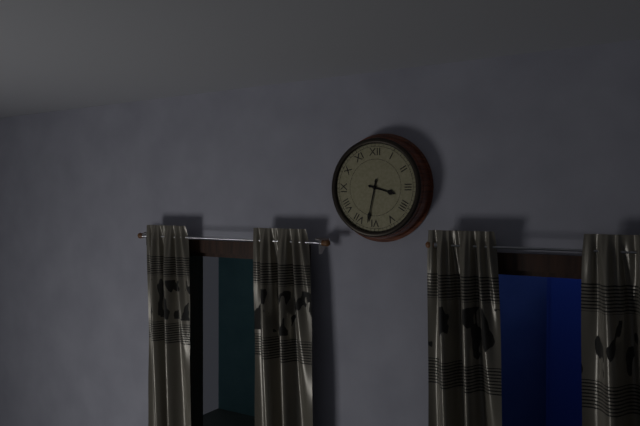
{"hour": 3, "minute": 32}
